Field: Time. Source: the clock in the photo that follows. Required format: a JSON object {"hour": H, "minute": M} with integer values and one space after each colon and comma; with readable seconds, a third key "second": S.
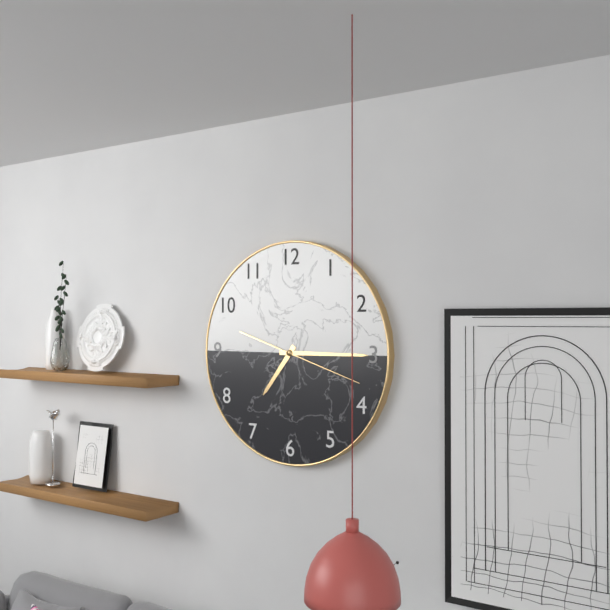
{"hour": 7, "minute": 15, "second": 18}
